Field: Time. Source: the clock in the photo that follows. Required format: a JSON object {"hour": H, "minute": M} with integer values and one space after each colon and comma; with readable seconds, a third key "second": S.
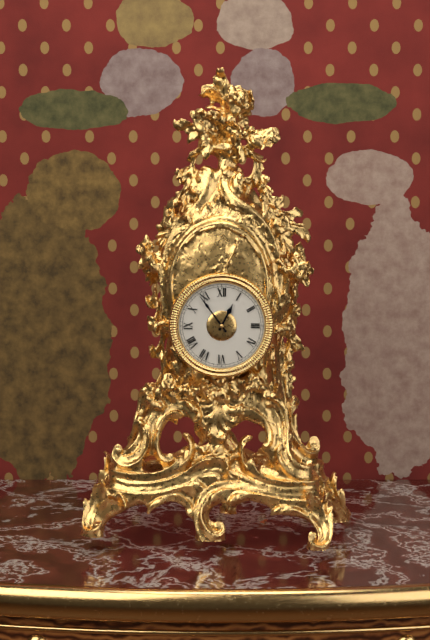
{"hour": 12, "minute": 54}
